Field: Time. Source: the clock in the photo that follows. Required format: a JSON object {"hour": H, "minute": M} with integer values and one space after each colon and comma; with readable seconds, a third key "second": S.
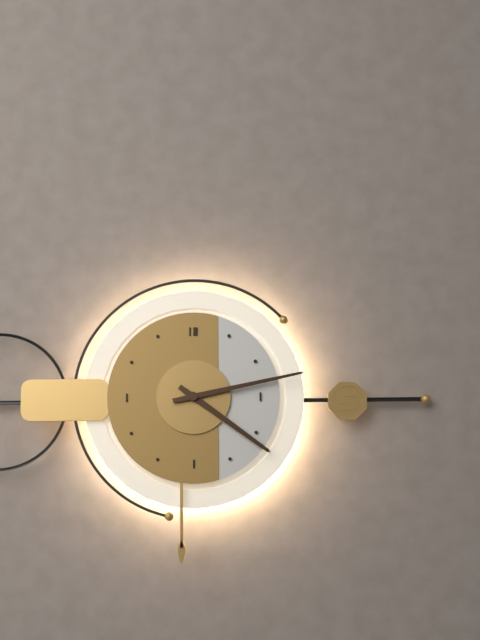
{"hour": 4, "minute": 13}
